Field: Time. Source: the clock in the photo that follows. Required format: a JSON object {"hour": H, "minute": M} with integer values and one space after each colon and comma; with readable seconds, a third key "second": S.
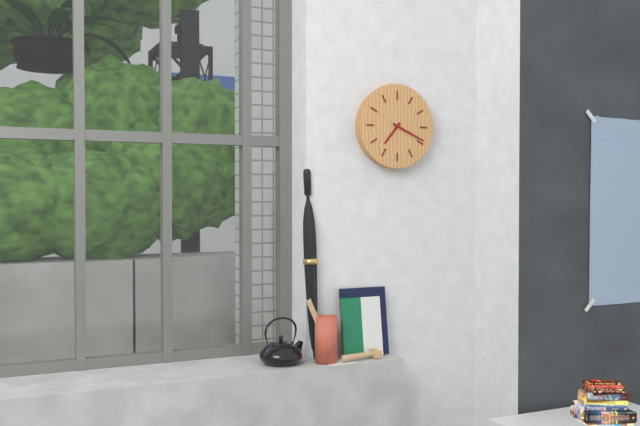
{"hour": 7, "minute": 19}
